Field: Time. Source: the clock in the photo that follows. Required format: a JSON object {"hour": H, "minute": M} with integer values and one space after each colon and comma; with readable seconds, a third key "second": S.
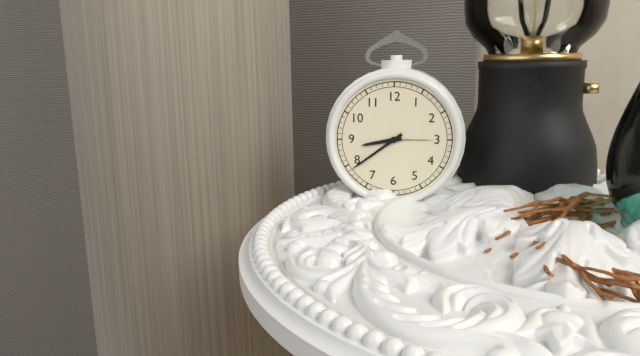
{"hour": 8, "minute": 39}
